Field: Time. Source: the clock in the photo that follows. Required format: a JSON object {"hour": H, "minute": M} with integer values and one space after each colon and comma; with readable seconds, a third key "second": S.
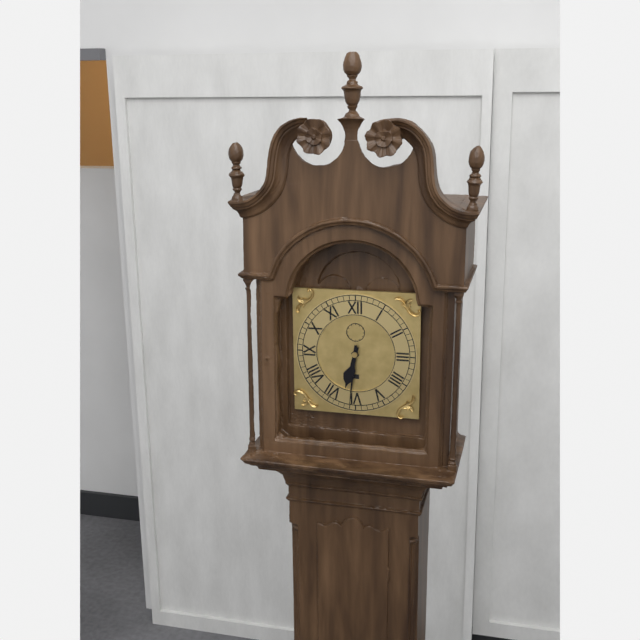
{"hour": 6, "minute": 31}
